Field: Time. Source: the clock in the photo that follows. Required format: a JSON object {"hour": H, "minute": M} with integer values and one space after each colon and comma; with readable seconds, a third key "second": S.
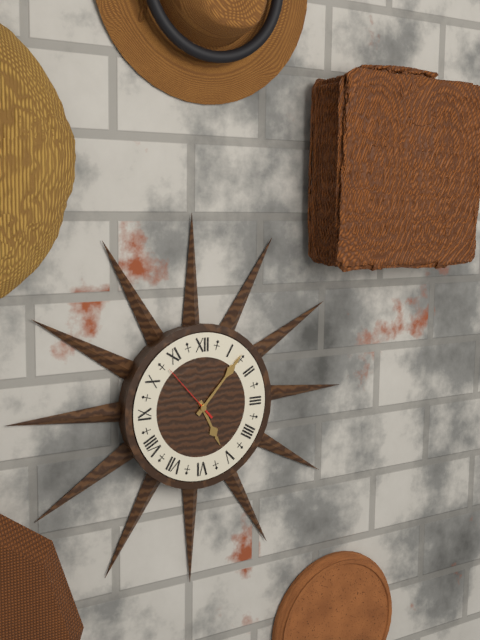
{"hour": 5, "minute": 7}
